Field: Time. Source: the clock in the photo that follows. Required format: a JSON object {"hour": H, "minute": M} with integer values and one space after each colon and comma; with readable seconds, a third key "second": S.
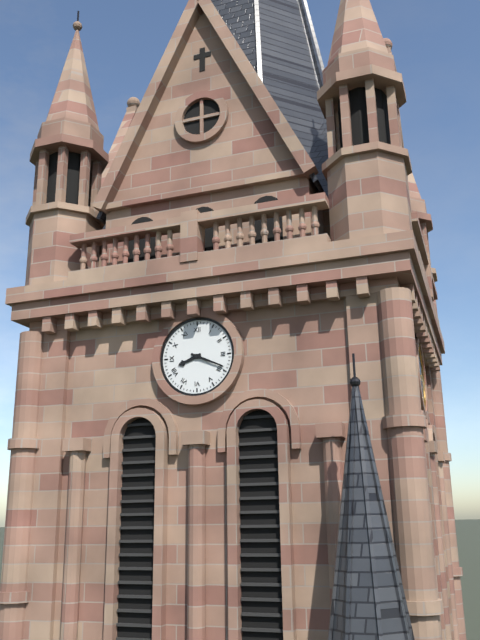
{"hour": 8, "minute": 19}
